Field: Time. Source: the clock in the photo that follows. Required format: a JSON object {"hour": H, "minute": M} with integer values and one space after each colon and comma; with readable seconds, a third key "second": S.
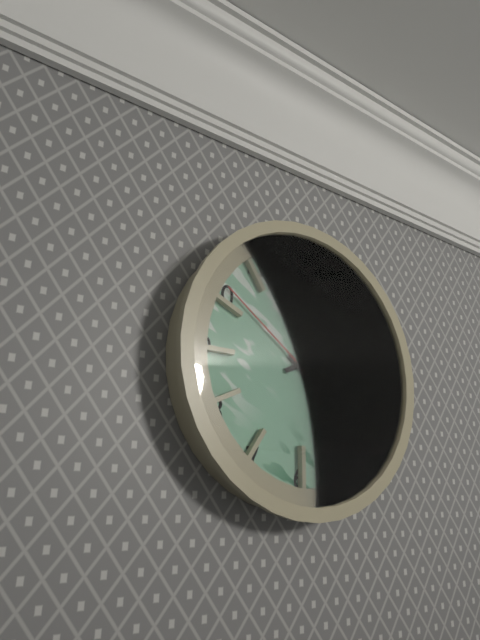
{"hour": 4, "minute": 11, "second": 51}
